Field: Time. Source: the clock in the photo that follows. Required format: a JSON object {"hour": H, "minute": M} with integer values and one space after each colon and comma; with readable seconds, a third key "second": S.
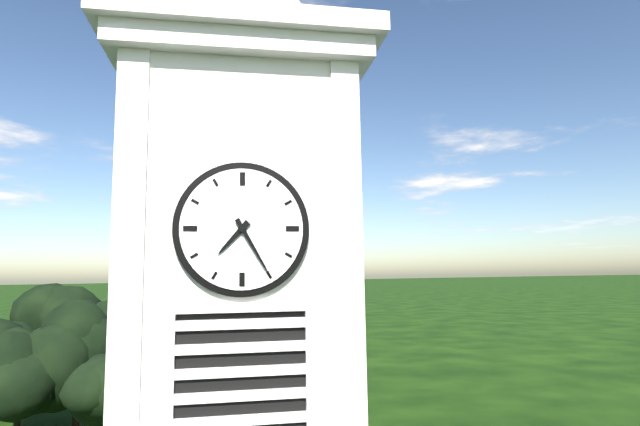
{"hour": 7, "minute": 25}
